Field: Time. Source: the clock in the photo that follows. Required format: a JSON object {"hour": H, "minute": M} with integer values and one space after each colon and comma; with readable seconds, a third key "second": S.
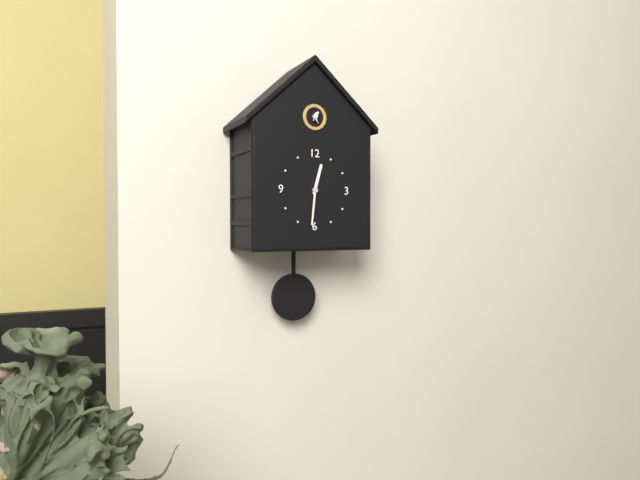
{"hour": 12, "minute": 31}
